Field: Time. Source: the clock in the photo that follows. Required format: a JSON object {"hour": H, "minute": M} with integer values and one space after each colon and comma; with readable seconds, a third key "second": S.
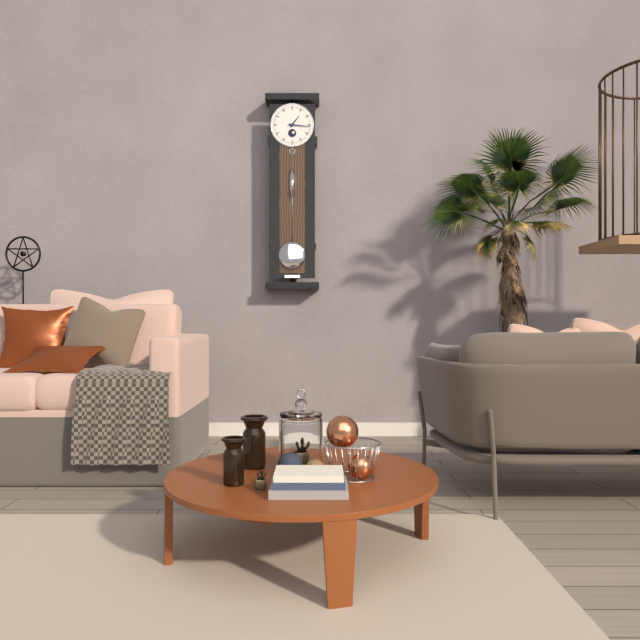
{"hour": 1, "minute": 16}
